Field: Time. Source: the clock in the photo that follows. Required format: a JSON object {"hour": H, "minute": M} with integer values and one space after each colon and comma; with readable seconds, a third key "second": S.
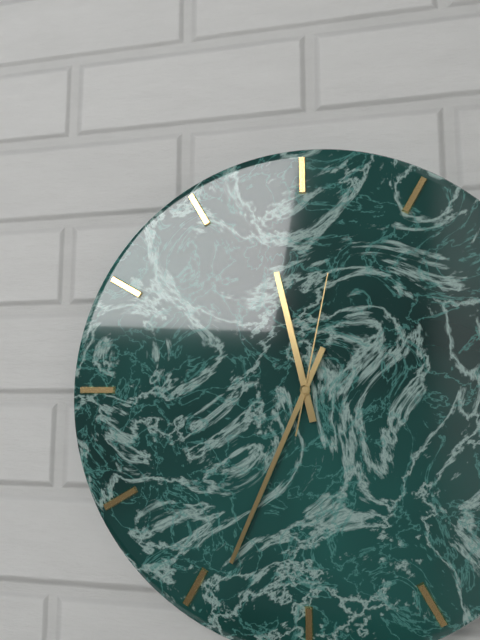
{"hour": 11, "minute": 34, "second": 2}
